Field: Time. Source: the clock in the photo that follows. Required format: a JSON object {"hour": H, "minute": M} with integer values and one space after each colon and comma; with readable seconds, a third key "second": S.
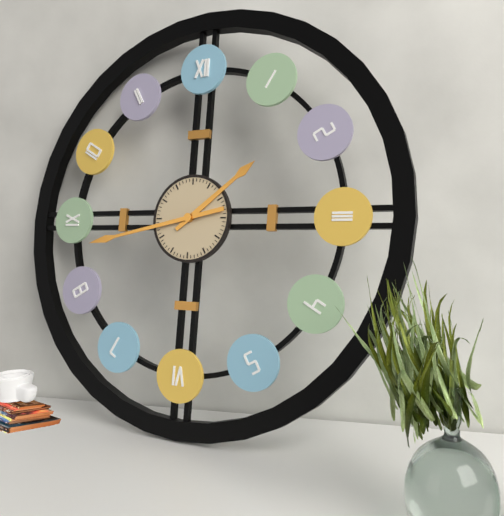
{"hour": 1, "minute": 43}
